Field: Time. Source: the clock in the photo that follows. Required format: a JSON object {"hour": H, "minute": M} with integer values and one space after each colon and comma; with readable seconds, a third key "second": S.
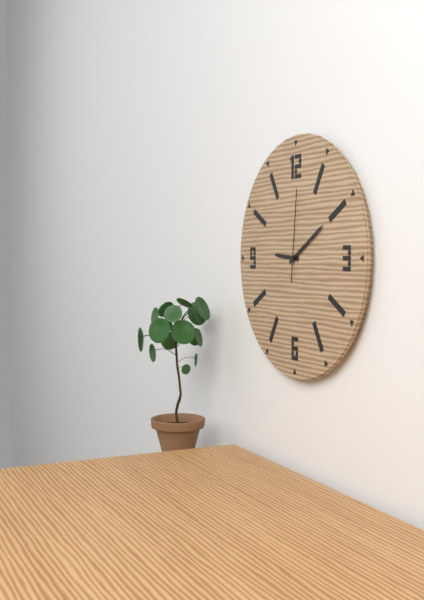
{"hour": 9, "minute": 10, "second": 1}
